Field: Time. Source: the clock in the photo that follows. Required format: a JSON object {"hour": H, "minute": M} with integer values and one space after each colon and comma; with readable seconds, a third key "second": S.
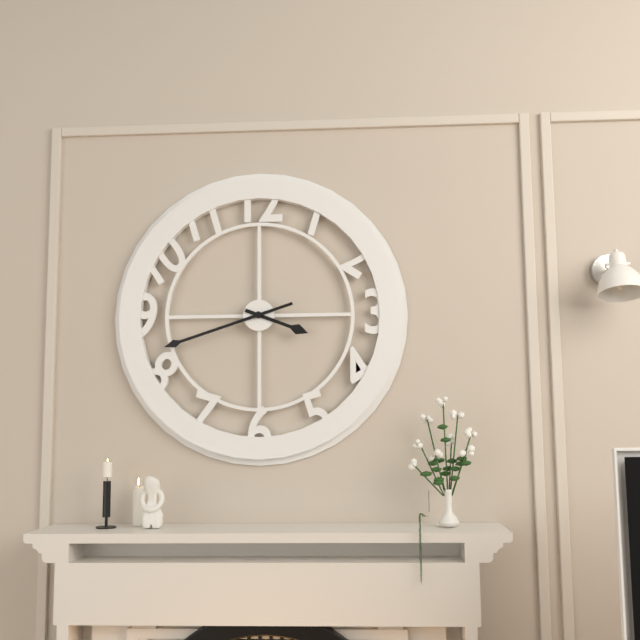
{"hour": 3, "minute": 42}
